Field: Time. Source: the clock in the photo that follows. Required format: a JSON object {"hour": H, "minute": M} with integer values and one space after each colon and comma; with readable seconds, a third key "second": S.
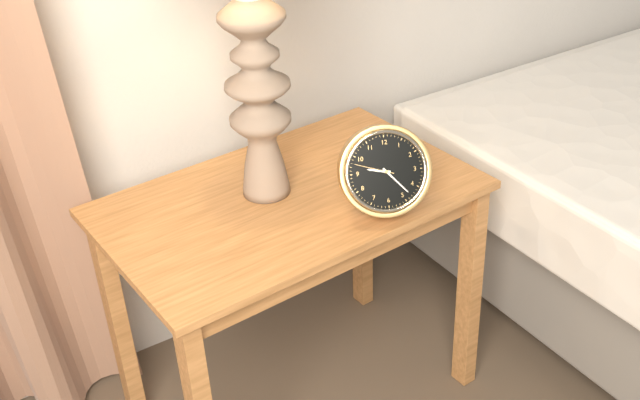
{"hour": 9, "minute": 23}
